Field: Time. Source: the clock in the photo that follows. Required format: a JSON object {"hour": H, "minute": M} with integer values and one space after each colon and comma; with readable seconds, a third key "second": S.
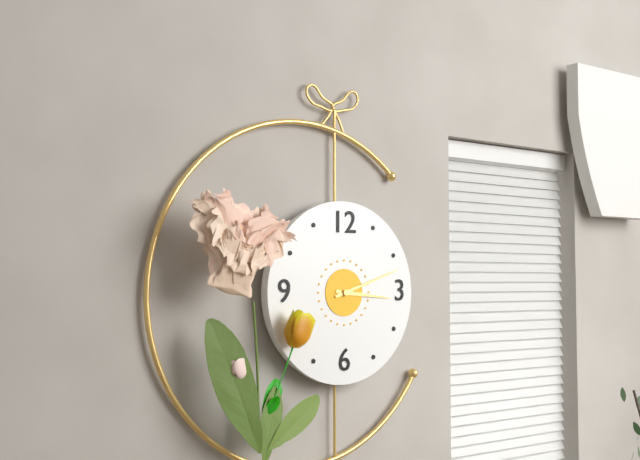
{"hour": 3, "minute": 12}
